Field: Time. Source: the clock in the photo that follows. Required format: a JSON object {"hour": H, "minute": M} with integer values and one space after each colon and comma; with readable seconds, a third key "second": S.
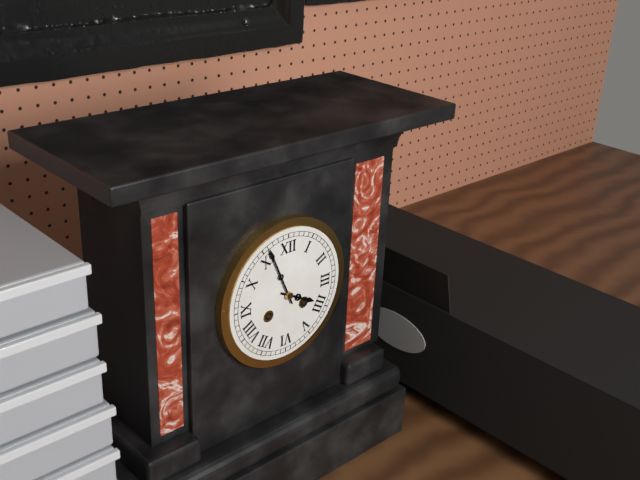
{"hour": 3, "minute": 56}
